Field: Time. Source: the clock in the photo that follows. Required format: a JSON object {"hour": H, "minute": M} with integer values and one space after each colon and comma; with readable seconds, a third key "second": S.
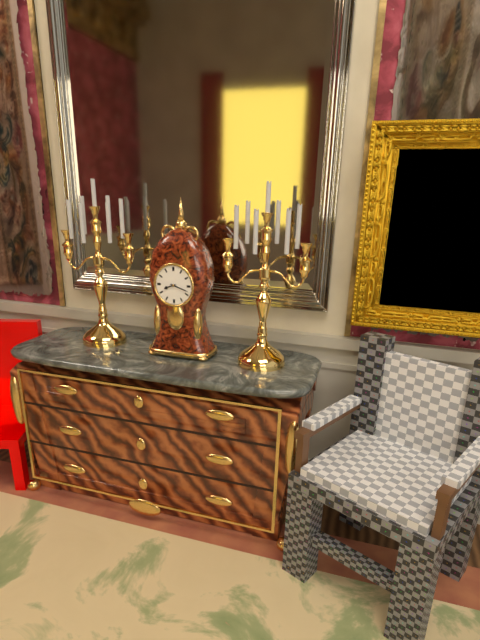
{"hour": 8, "minute": 18}
